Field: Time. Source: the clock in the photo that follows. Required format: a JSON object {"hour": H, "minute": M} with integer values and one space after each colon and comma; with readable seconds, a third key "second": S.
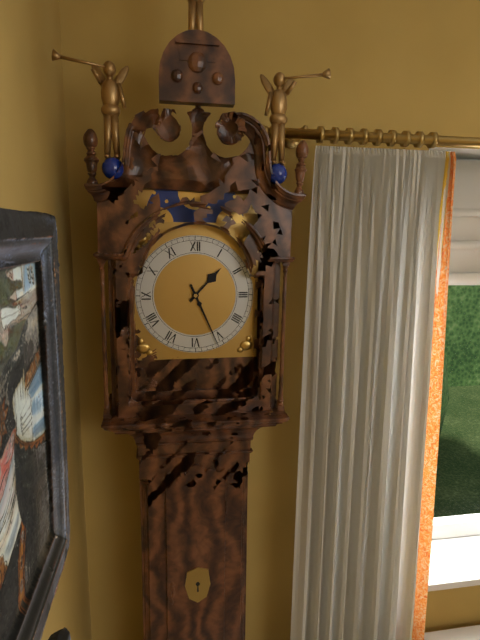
{"hour": 1, "minute": 26}
